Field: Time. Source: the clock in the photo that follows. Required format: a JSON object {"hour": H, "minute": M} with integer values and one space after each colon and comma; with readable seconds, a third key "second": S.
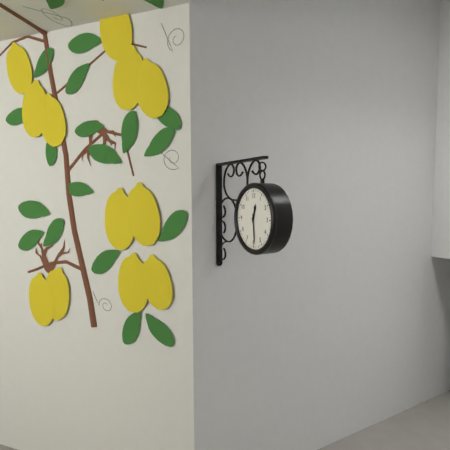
{"hour": 12, "minute": 29}
